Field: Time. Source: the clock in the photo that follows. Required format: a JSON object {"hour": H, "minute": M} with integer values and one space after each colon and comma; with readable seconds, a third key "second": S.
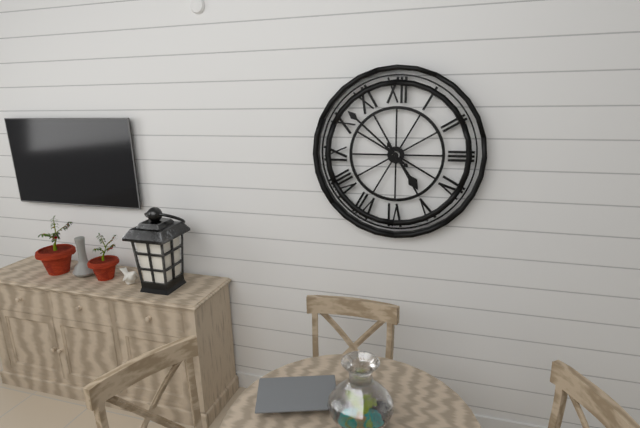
{"hour": 4, "minute": 52}
